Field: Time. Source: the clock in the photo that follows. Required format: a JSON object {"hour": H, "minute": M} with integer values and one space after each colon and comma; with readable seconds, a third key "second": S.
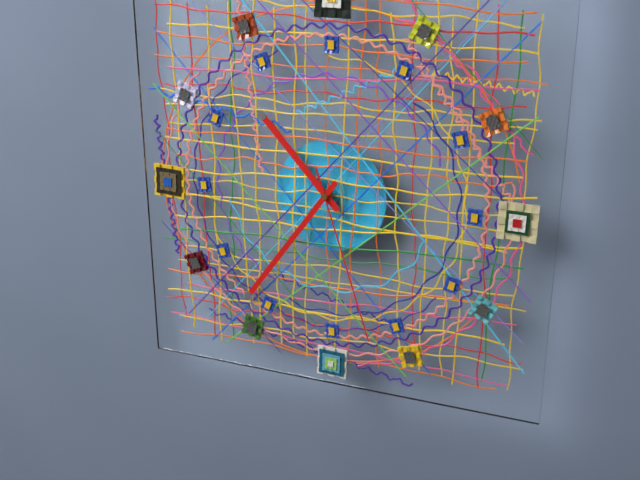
{"hour": 10, "minute": 36, "second": 27}
